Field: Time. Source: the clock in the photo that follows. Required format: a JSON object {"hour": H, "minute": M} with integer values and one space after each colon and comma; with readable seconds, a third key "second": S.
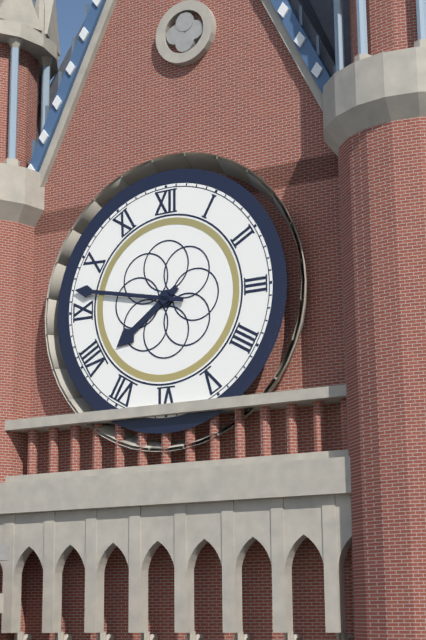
{"hour": 7, "minute": 47}
